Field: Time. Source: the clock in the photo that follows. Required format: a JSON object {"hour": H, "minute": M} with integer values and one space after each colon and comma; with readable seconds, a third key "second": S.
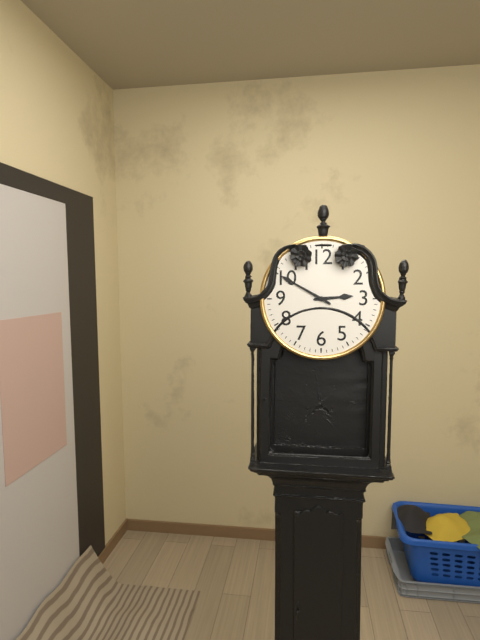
{"hour": 2, "minute": 50}
